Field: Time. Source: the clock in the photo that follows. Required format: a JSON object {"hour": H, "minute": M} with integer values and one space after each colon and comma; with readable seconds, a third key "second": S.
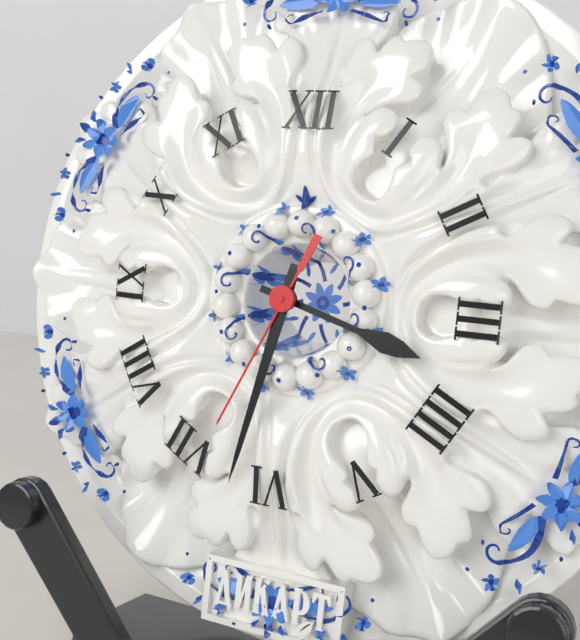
{"hour": 3, "minute": 32, "second": 34}
